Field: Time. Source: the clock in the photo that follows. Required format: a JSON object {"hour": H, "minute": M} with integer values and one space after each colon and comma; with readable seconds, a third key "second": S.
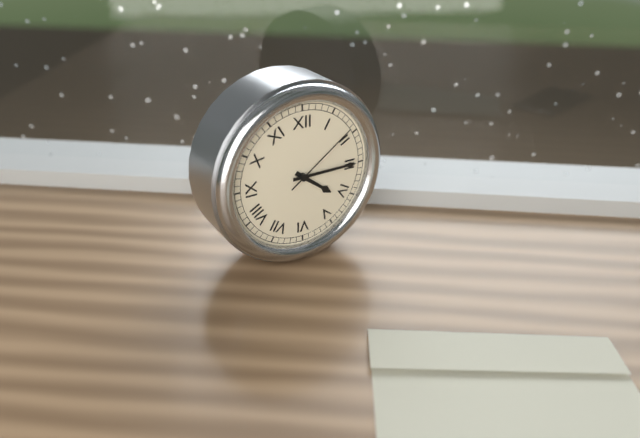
{"hour": 4, "minute": 15, "second": 9}
